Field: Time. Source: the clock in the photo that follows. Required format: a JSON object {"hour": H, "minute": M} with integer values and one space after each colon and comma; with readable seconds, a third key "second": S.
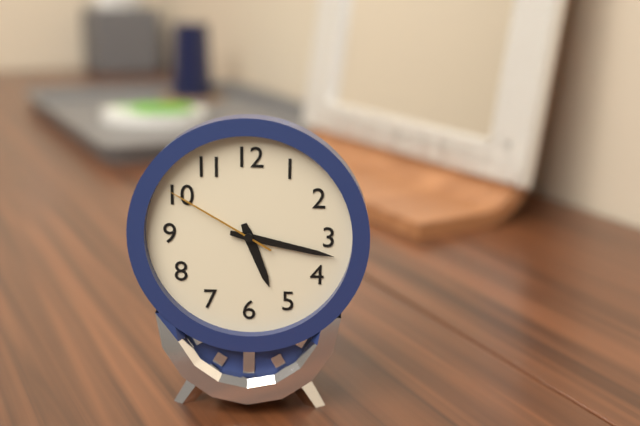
{"hour": 5, "minute": 17, "second": 50}
